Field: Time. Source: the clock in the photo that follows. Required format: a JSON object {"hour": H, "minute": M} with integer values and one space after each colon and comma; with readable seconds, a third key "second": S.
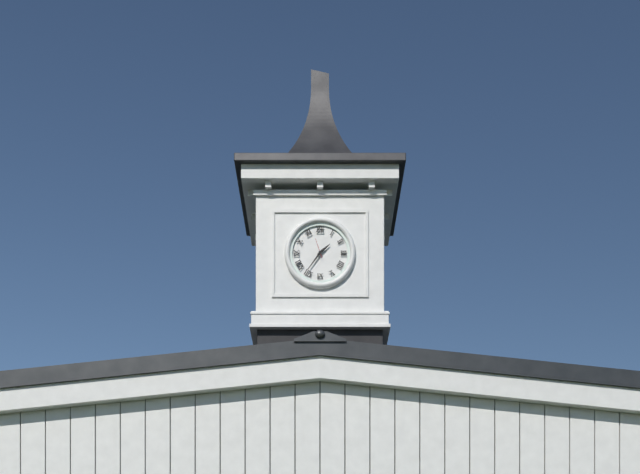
{"hour": 1, "minute": 36}
